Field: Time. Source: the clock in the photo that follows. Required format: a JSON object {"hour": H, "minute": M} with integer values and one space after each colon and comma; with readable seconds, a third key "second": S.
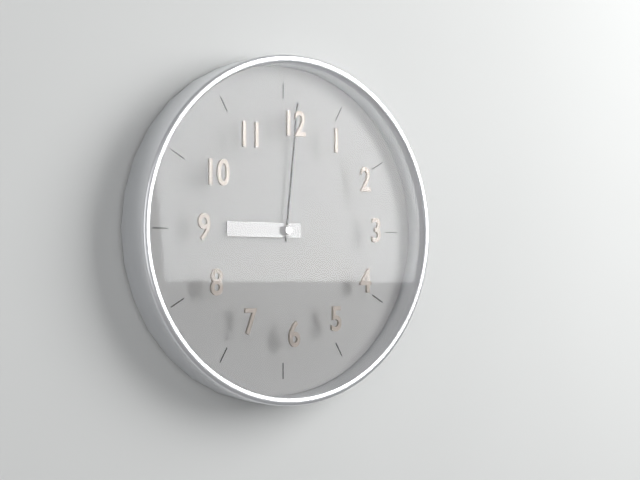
{"hour": 9, "minute": 1}
